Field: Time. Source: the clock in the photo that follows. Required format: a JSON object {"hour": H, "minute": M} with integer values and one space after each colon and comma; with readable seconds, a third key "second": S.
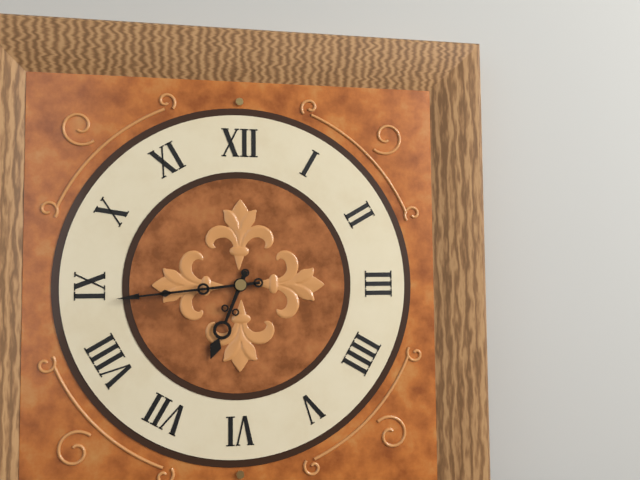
{"hour": 6, "minute": 44}
